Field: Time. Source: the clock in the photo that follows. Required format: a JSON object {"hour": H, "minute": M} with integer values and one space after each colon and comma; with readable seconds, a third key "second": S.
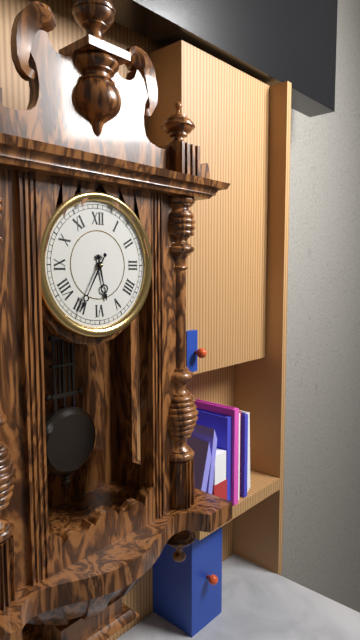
{"hour": 5, "minute": 35}
